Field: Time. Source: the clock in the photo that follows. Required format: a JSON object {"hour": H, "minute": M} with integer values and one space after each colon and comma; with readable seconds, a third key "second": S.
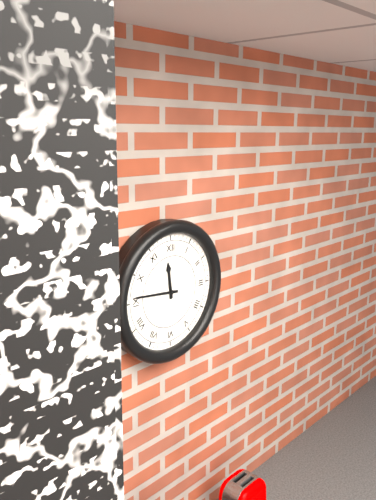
{"hour": 11, "minute": 46}
